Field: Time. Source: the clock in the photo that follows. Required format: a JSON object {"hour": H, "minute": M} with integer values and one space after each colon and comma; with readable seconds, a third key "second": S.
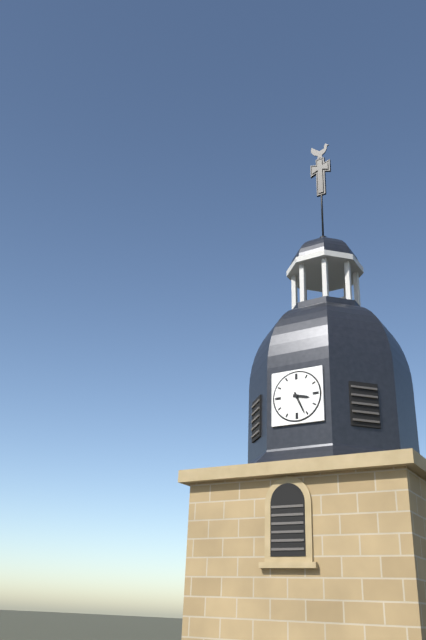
{"hour": 3, "minute": 26}
